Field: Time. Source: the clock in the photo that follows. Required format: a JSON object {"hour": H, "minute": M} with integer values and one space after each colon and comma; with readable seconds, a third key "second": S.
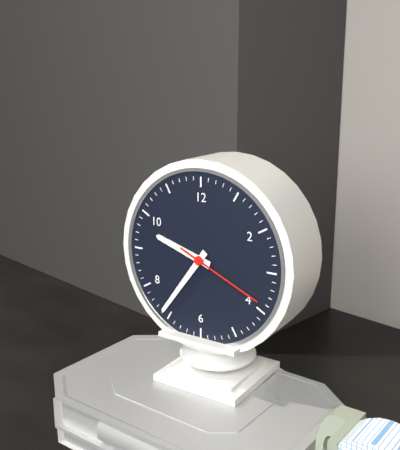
{"hour": 9, "minute": 36, "second": 19}
